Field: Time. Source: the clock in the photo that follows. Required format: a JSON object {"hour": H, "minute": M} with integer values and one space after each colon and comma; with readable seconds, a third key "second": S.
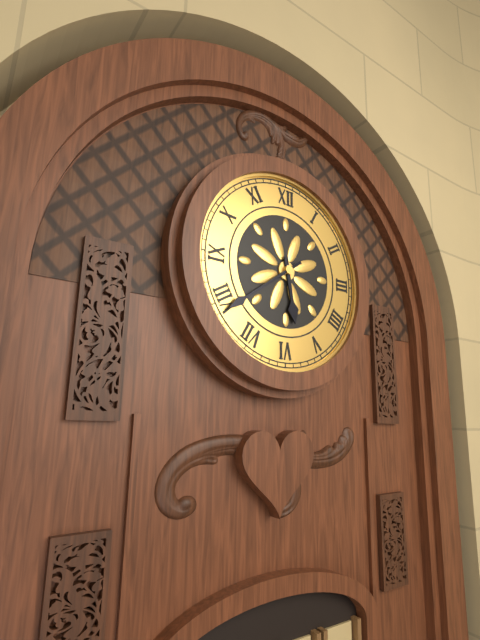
{"hour": 5, "minute": 39}
